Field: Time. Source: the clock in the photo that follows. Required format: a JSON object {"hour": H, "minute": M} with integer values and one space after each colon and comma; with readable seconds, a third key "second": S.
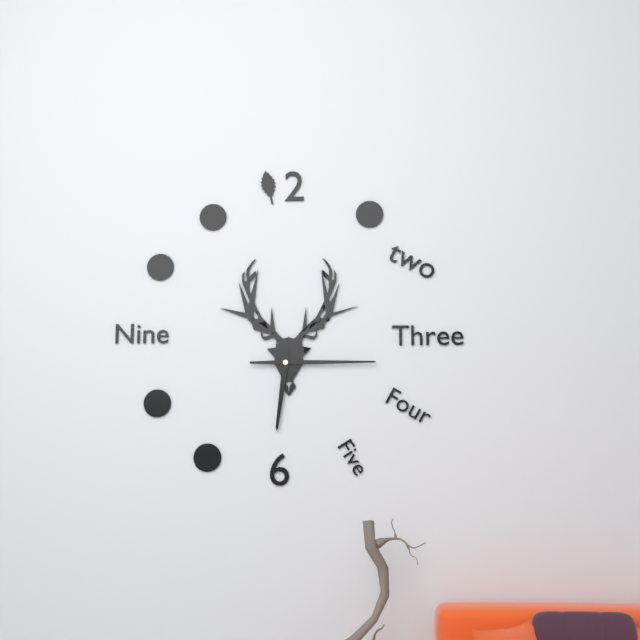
{"hour": 6, "minute": 15}
